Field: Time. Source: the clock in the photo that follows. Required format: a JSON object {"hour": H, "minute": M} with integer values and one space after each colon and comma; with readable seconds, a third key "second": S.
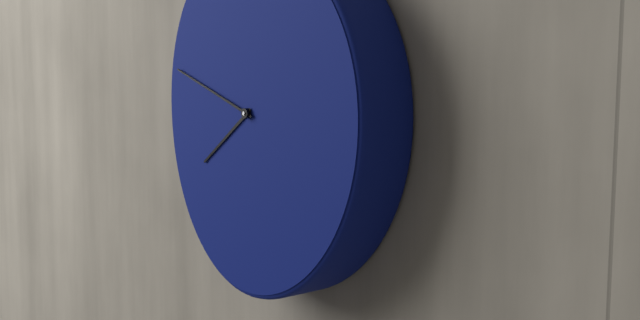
{"hour": 7, "minute": 48}
